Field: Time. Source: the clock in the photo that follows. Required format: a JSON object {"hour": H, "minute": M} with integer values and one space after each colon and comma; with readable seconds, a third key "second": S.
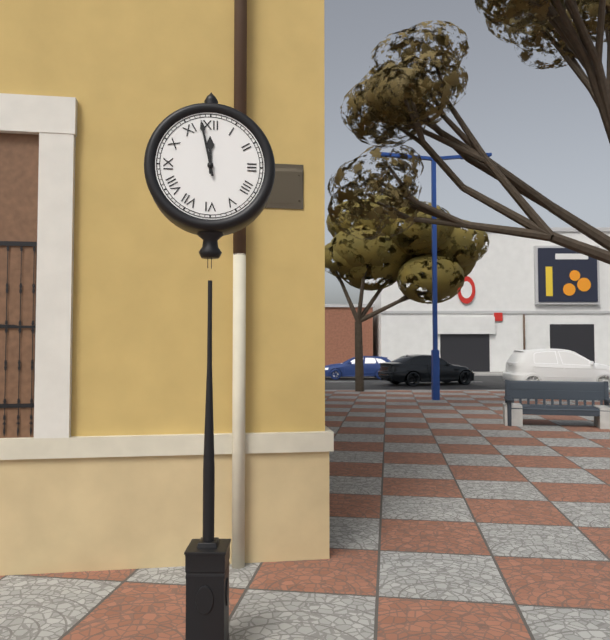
{"hour": 11, "minute": 58}
